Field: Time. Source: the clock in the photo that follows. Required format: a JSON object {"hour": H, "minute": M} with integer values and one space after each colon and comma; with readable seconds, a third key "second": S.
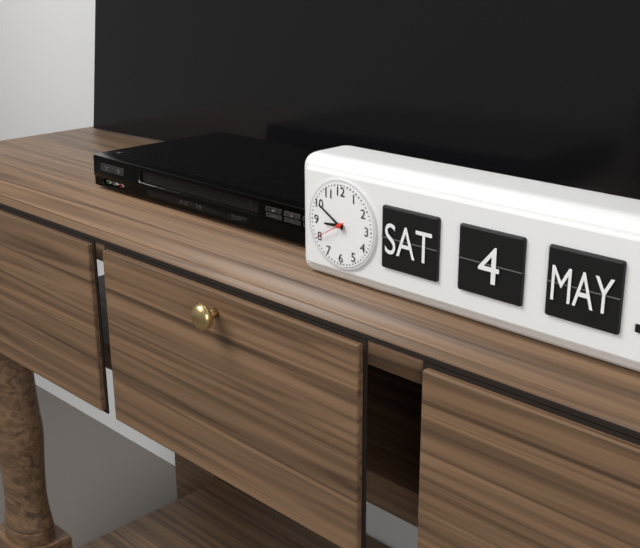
{"hour": 8, "minute": 50}
